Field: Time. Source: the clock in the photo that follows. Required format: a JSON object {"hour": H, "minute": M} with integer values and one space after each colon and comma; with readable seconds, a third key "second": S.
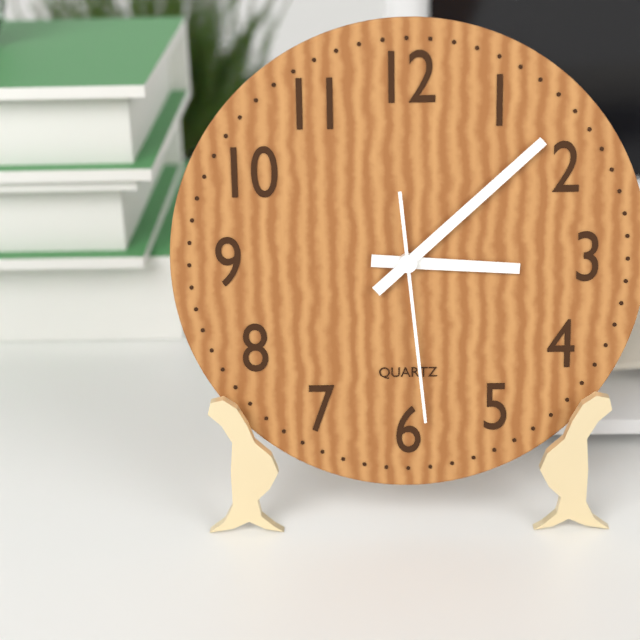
{"hour": 3, "minute": 8, "second": 29}
